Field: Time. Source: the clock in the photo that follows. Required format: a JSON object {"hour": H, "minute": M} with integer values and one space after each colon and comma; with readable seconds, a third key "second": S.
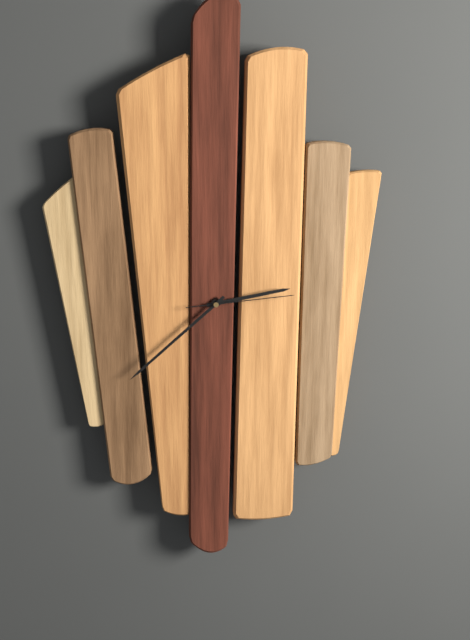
{"hour": 2, "minute": 38, "second": 14}
